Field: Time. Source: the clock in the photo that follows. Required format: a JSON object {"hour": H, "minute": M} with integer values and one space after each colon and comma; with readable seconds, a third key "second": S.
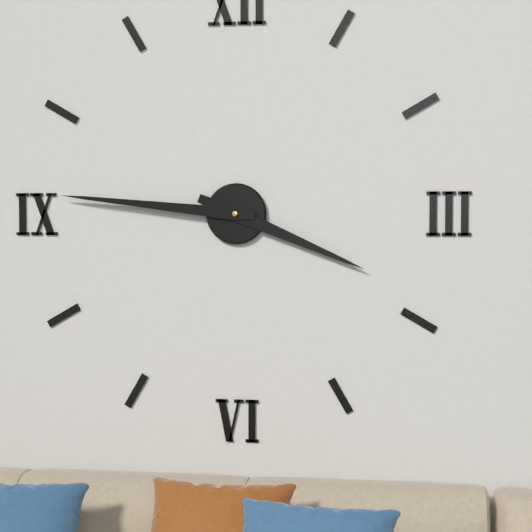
{"hour": 3, "minute": 46}
